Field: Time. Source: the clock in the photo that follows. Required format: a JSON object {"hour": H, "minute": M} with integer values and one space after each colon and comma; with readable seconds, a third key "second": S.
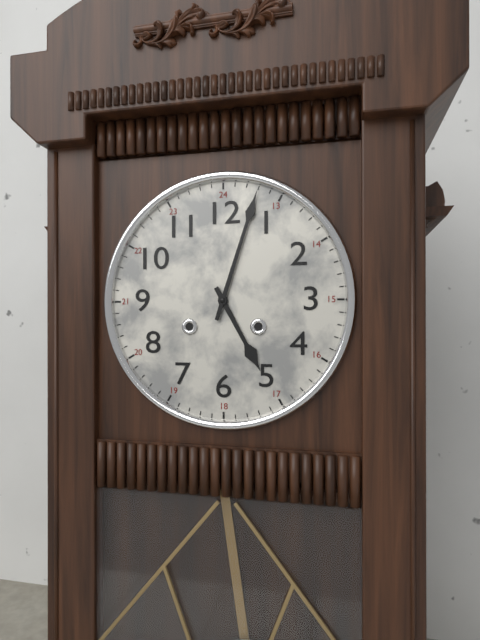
{"hour": 5, "minute": 3}
